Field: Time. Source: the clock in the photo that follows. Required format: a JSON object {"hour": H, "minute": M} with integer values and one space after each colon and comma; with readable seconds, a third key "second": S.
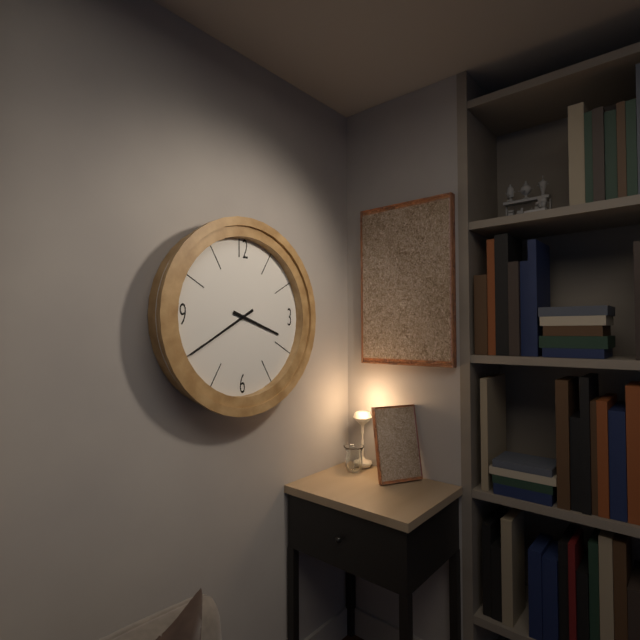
{"hour": 3, "minute": 40}
